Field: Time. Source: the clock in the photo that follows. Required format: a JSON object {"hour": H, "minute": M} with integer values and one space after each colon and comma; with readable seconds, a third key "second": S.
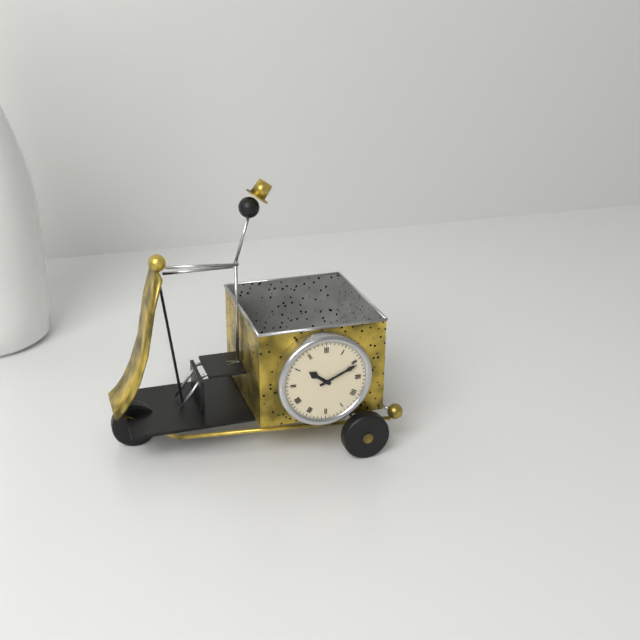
{"hour": 10, "minute": 11}
